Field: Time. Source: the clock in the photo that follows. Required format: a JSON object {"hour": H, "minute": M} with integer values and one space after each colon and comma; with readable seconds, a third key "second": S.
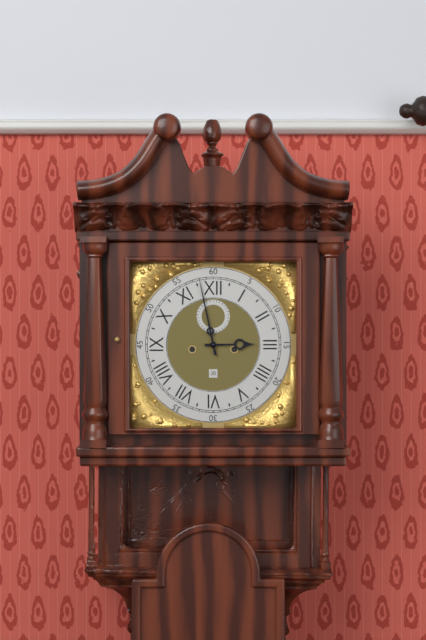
{"hour": 2, "minute": 58}
